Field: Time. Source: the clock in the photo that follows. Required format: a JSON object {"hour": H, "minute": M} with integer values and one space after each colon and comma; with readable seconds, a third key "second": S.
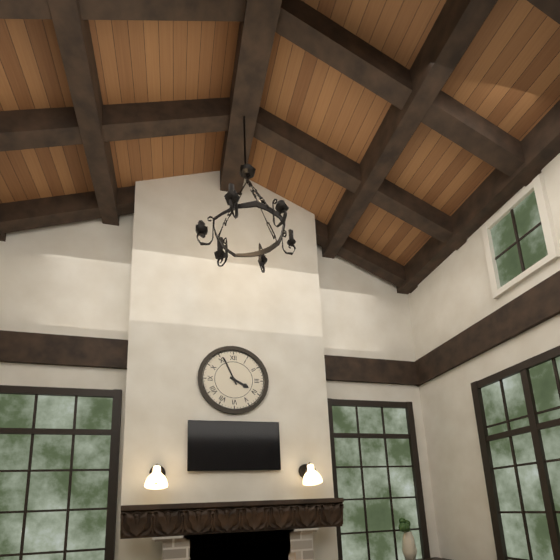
{"hour": 3, "minute": 56}
